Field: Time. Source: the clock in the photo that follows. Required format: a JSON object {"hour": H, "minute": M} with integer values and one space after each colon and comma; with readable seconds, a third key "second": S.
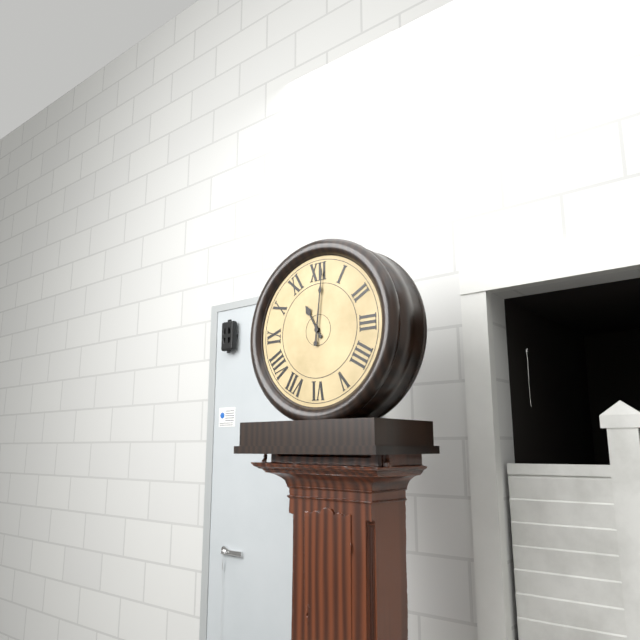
{"hour": 11, "minute": 1}
